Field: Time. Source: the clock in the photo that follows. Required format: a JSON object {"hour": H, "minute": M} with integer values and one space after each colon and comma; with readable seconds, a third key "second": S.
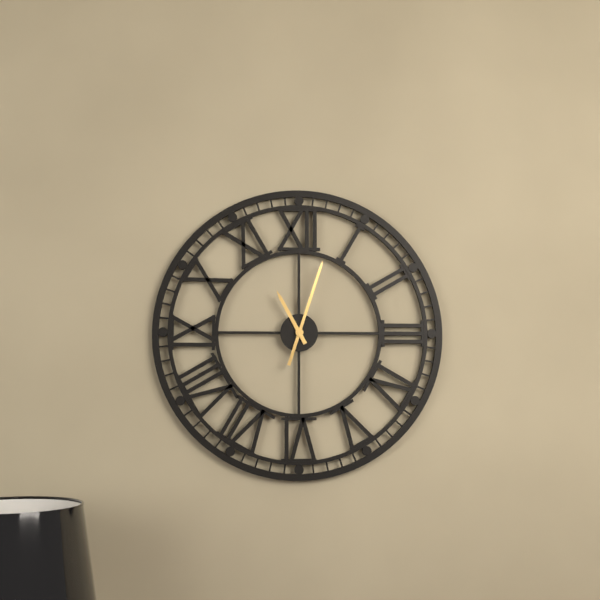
{"hour": 11, "minute": 3}
